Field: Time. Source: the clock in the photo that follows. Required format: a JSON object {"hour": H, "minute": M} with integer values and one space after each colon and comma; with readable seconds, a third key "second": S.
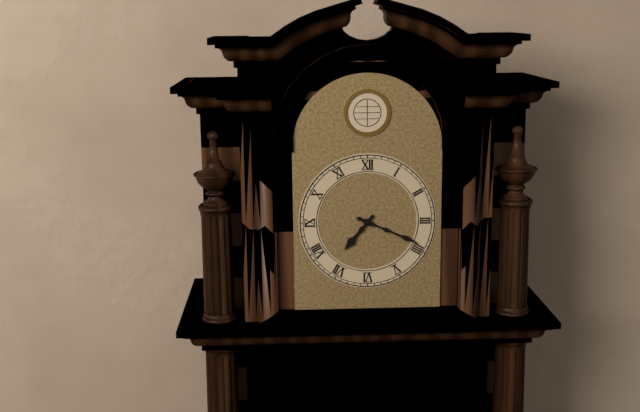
{"hour": 7, "minute": 19}
